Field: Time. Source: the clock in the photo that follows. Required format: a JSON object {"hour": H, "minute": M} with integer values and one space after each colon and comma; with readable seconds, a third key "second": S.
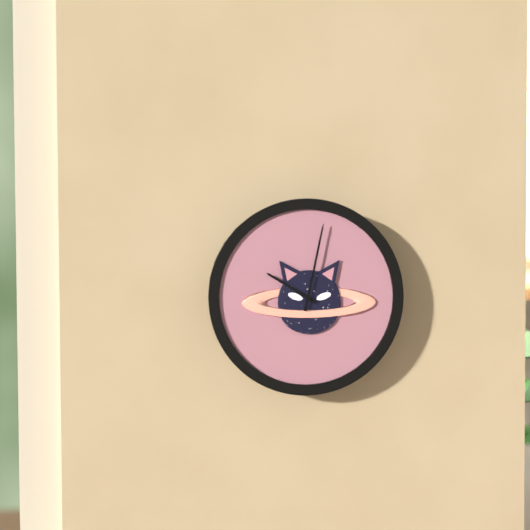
{"hour": 10, "minute": 2}
